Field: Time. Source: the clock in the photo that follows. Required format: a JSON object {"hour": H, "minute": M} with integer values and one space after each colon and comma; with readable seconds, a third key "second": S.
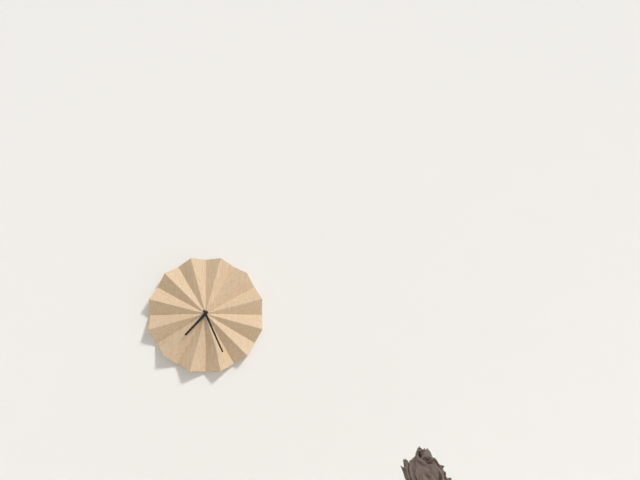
{"hour": 7, "minute": 26}
